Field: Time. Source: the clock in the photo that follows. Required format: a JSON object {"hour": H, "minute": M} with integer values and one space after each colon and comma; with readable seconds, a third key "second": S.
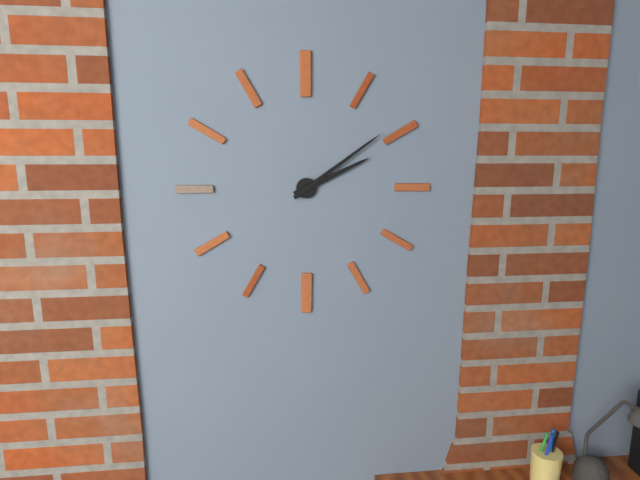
{"hour": 2, "minute": 9}
